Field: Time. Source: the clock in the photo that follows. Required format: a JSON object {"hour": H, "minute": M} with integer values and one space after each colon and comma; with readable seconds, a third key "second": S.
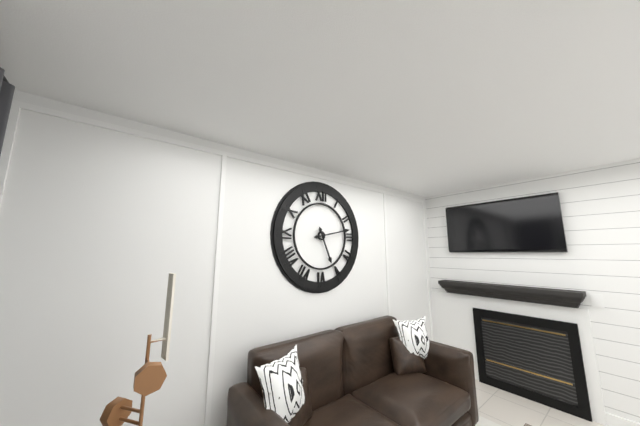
{"hour": 5, "minute": 13}
